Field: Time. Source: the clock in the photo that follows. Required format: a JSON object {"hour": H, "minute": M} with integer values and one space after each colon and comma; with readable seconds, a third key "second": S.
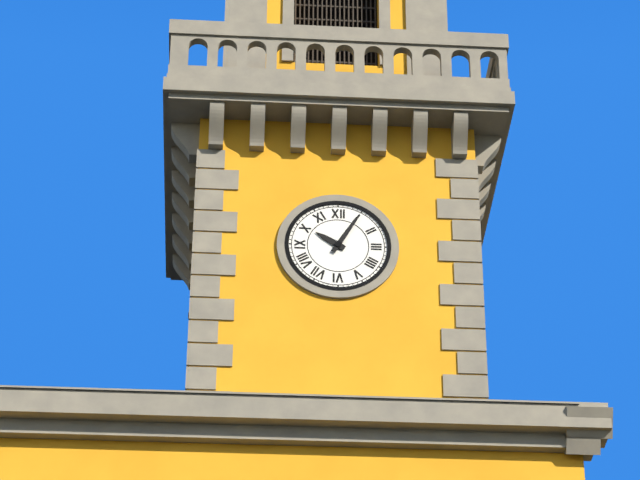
{"hour": 10, "minute": 5}
